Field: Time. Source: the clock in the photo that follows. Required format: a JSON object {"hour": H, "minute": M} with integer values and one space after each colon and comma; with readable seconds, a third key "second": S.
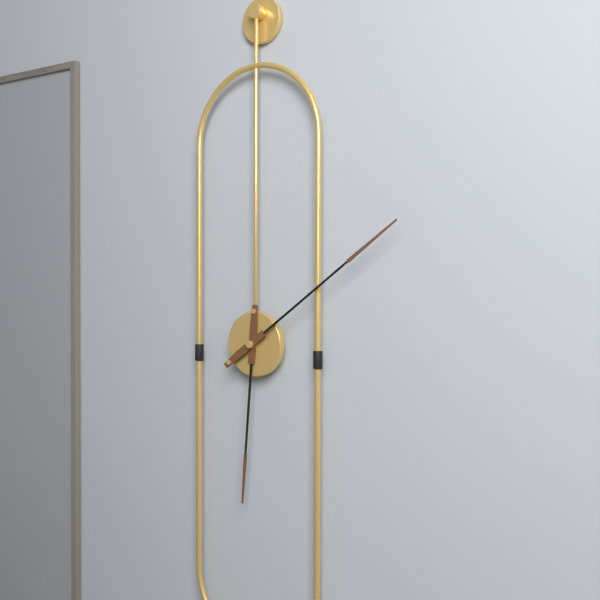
{"hour": 6, "minute": 9}
